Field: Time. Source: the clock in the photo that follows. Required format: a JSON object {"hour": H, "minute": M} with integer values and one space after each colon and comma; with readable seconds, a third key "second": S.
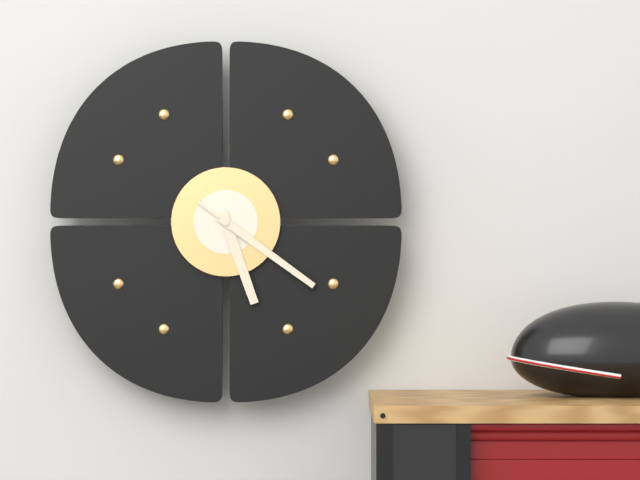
{"hour": 5, "minute": 21}
